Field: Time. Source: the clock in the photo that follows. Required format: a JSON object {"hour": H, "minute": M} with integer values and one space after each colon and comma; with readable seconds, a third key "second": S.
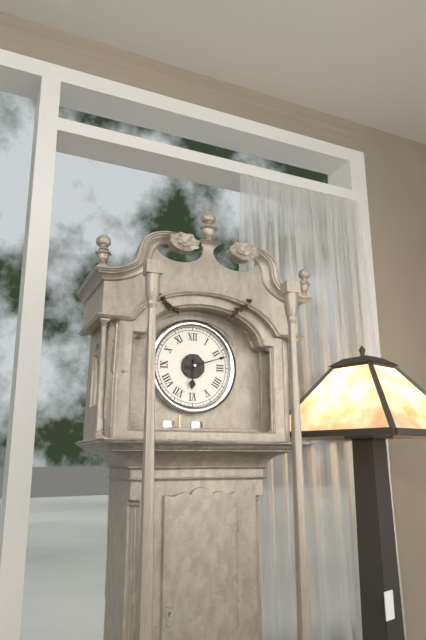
{"hour": 6, "minute": 12}
